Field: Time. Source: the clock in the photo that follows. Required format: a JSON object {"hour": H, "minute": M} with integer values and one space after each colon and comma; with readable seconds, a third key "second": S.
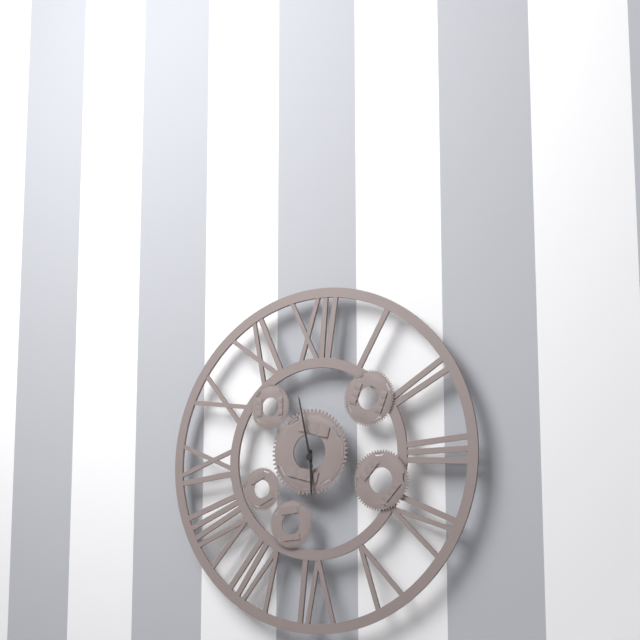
{"hour": 5, "minute": 58}
